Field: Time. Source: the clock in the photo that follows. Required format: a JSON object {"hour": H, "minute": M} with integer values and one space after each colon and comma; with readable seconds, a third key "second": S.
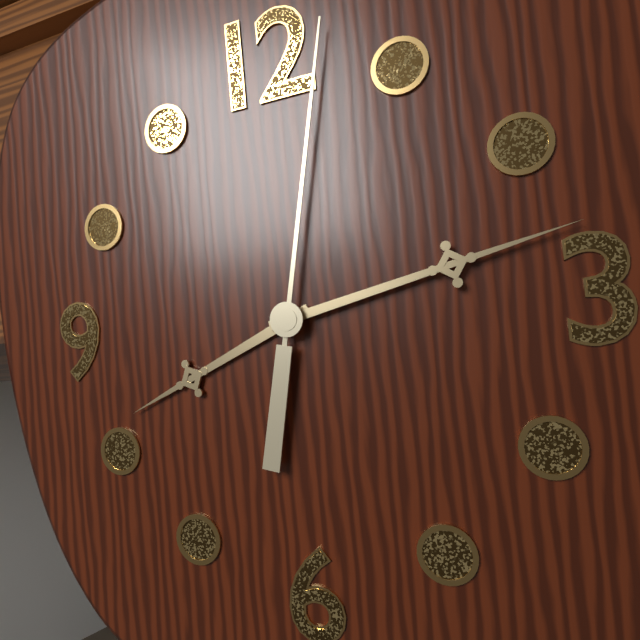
{"hour": 8, "minute": 13, "second": 2}
